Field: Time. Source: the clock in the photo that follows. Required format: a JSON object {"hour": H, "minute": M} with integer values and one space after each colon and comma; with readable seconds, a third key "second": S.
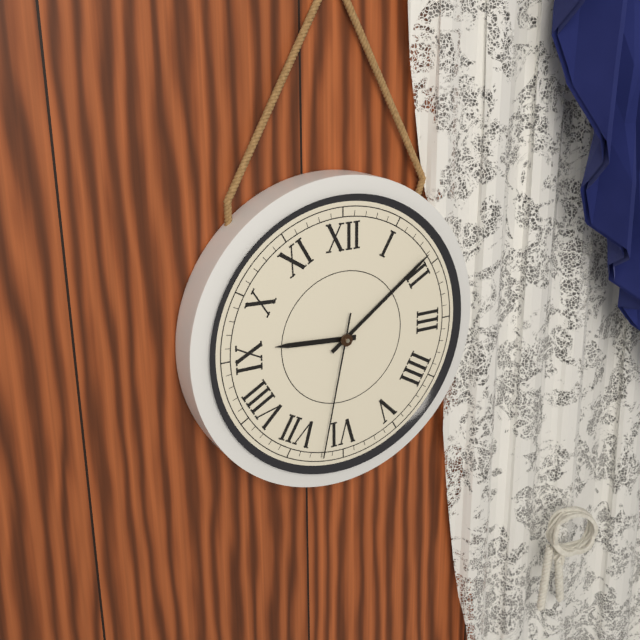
{"hour": 9, "minute": 9, "second": 32}
